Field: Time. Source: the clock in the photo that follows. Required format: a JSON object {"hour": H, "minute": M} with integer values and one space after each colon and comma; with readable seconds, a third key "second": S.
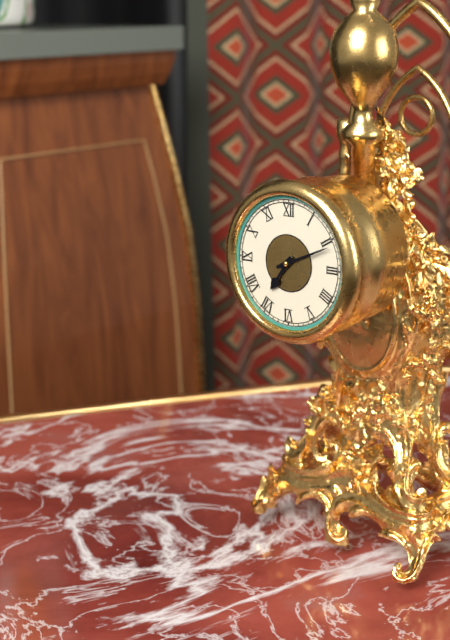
{"hour": 7, "minute": 11}
